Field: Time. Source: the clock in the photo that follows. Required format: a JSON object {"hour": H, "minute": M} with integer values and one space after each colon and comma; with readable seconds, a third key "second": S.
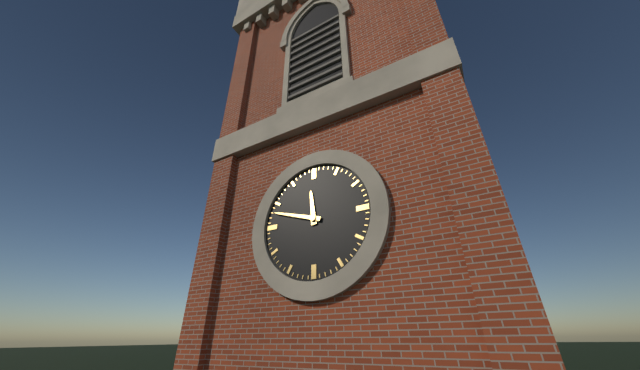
{"hour": 11, "minute": 48}
